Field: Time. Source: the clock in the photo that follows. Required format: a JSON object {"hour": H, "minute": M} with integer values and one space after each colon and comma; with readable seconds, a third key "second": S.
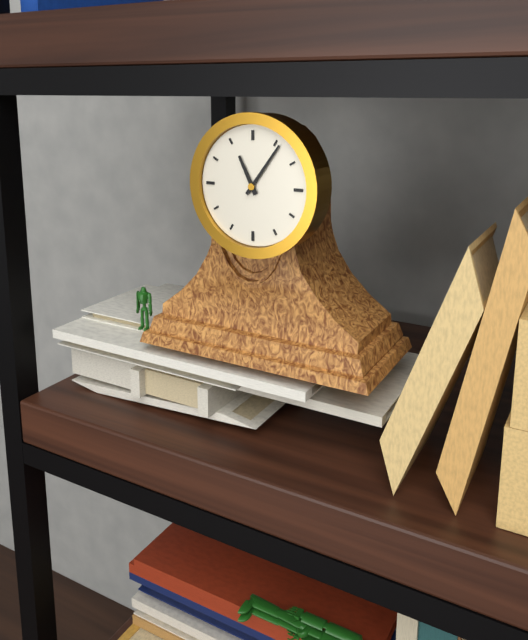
{"hour": 11, "minute": 6}
